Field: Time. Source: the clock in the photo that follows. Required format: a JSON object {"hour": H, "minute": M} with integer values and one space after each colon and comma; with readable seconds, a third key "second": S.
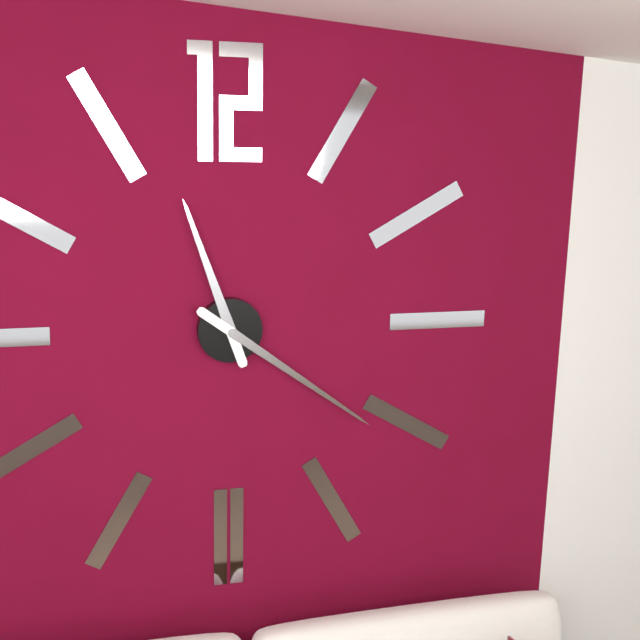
{"hour": 11, "minute": 21}
